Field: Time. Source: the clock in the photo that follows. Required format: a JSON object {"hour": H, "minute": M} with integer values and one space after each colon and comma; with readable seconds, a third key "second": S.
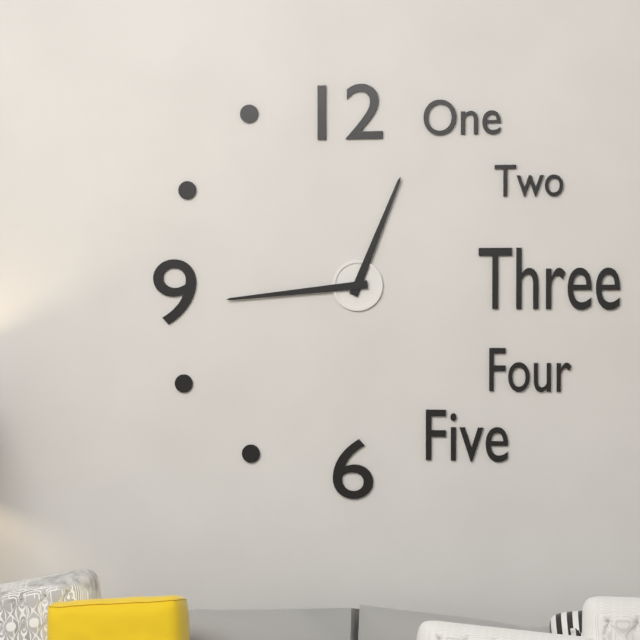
{"hour": 12, "minute": 44}
